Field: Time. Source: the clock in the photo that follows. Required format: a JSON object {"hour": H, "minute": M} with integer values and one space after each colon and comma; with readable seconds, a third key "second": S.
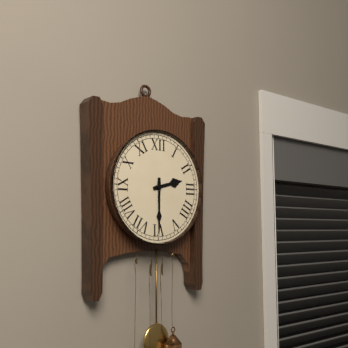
{"hour": 2, "minute": 30}
